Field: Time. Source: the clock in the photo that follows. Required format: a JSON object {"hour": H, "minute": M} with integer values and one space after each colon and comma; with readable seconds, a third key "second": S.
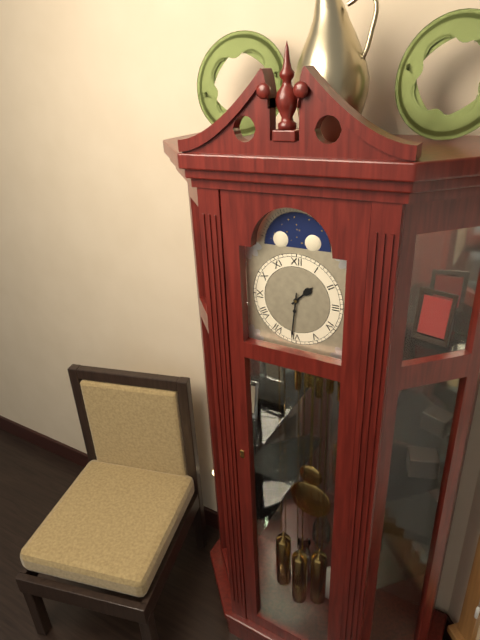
{"hour": 1, "minute": 31}
